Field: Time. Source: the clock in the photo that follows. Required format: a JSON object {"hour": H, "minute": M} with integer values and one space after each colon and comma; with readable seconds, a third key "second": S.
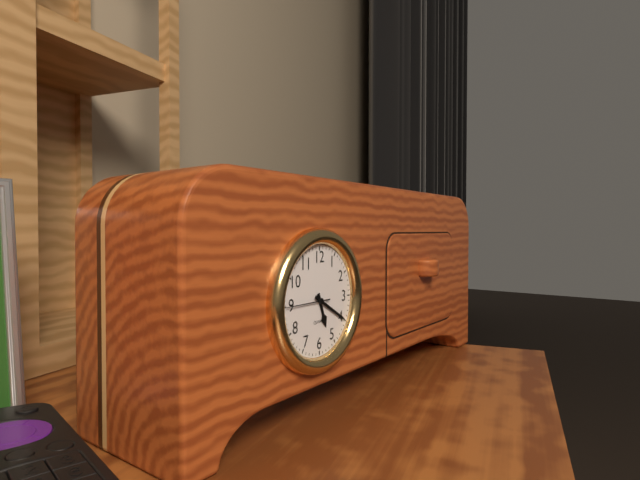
{"hour": 5, "minute": 20}
